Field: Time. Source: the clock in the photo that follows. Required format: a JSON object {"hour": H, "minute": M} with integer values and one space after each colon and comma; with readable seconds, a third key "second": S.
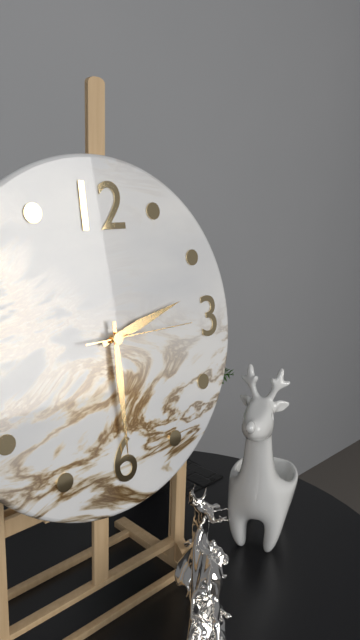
{"hour": 2, "minute": 30, "second": 15}
